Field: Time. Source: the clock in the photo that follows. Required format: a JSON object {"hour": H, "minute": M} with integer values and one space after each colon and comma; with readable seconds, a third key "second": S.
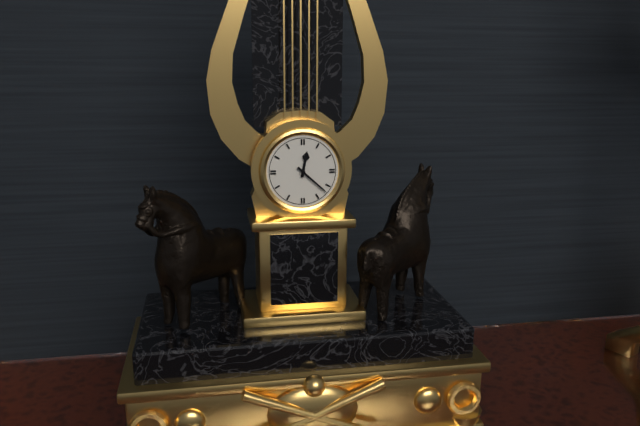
{"hour": 12, "minute": 22}
